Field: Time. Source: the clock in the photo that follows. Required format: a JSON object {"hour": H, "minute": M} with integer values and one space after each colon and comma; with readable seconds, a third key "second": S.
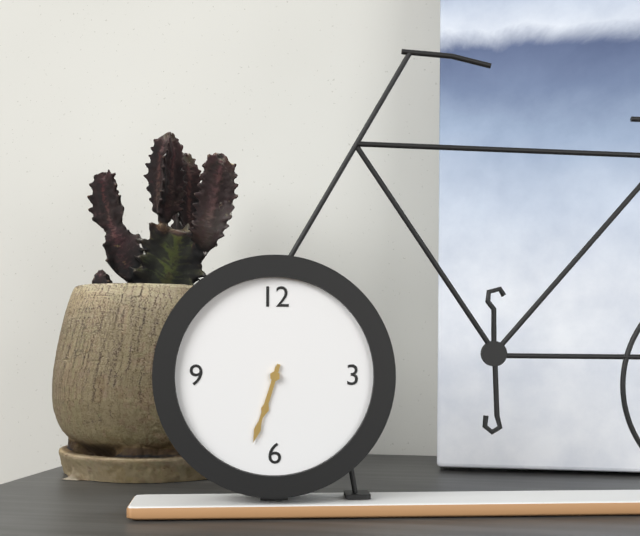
{"hour": 6, "minute": 33}
